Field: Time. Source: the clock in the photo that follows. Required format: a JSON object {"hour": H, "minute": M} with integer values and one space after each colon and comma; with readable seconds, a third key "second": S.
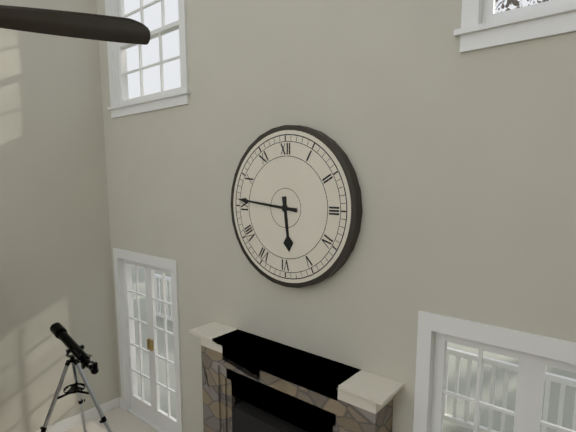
{"hour": 5, "minute": 46}
